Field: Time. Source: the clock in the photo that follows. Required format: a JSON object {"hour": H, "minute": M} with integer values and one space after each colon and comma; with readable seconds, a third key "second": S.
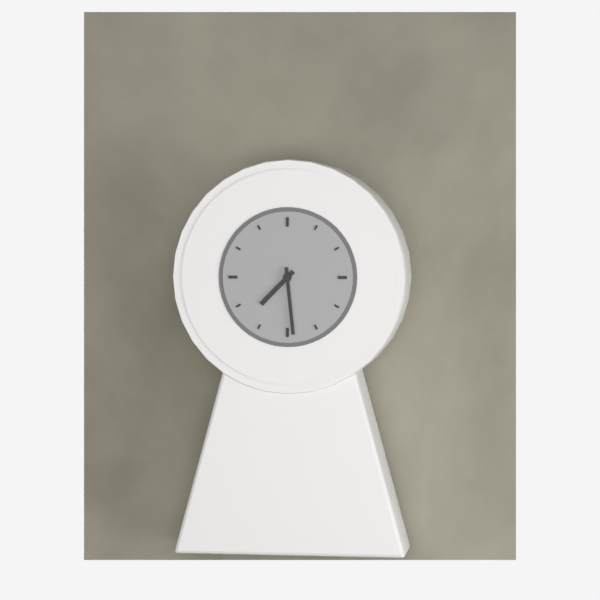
{"hour": 7, "minute": 29}
